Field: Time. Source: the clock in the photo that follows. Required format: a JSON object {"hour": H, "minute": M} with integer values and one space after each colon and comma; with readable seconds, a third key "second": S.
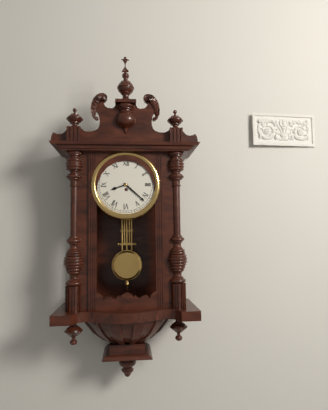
{"hour": 8, "minute": 22}
